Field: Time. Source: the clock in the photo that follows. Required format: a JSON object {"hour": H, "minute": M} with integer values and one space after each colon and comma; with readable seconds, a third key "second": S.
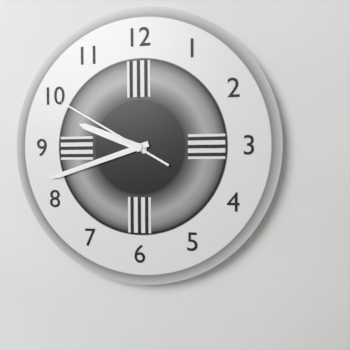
{"hour": 9, "minute": 42, "second": 50}
